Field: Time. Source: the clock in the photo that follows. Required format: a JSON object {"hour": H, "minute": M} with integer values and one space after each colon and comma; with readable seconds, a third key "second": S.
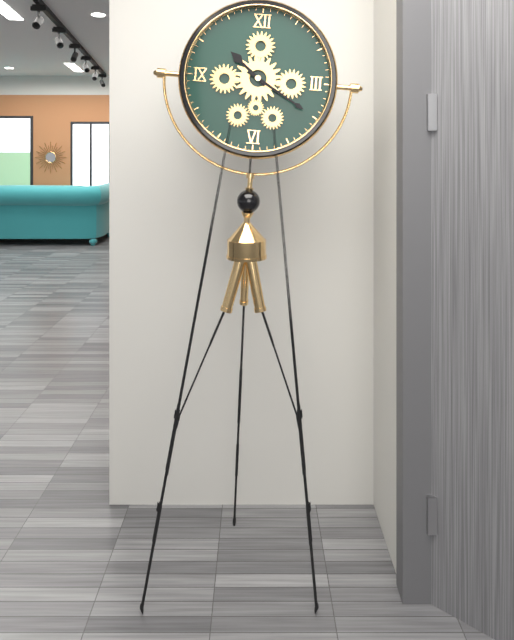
{"hour": 10, "minute": 20}
